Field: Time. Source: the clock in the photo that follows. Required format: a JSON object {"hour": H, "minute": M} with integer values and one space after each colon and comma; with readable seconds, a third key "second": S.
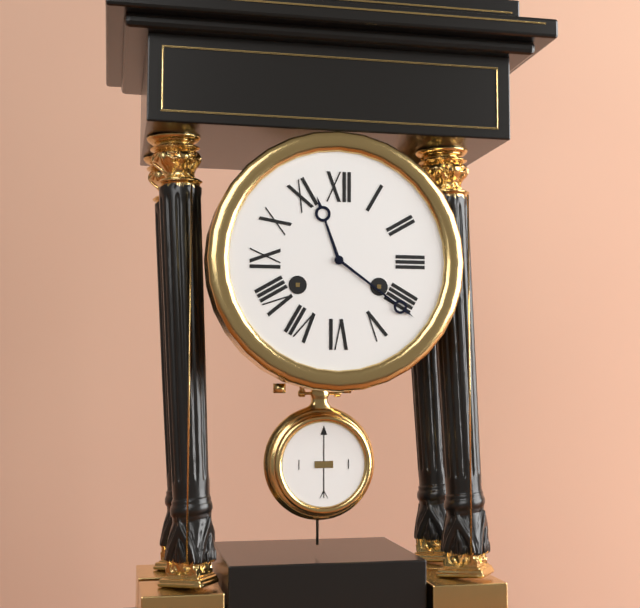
{"hour": 11, "minute": 21}
